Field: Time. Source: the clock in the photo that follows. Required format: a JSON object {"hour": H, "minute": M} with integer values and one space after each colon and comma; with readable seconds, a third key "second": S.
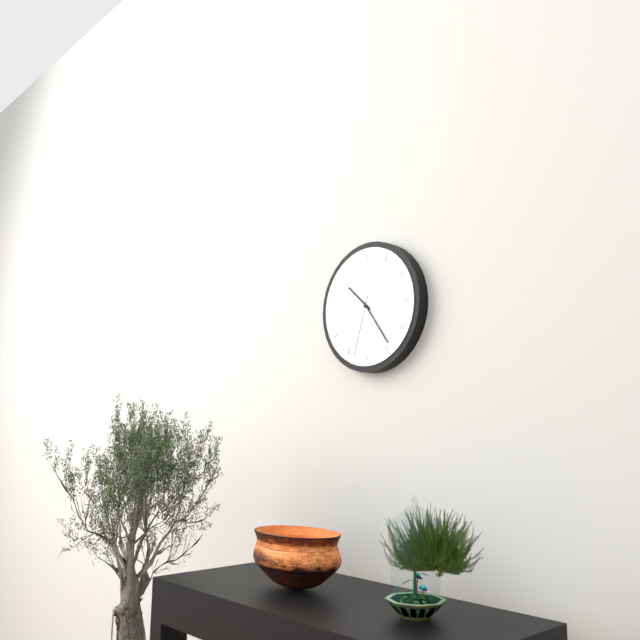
{"hour": 10, "minute": 24, "second": 33}
